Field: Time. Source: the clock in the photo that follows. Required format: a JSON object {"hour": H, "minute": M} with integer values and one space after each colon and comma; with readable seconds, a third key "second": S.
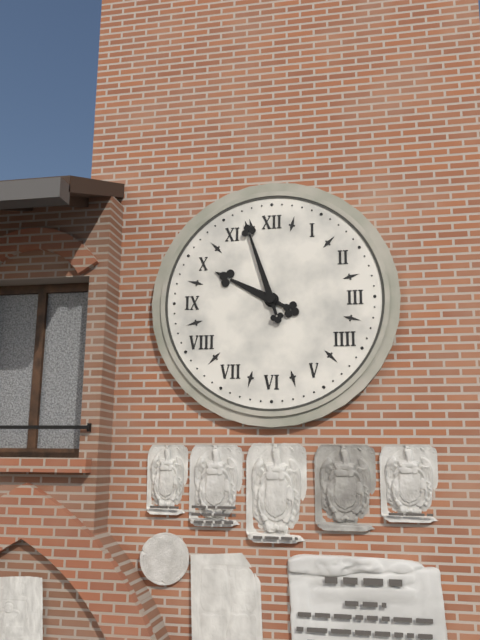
{"hour": 9, "minute": 57}
